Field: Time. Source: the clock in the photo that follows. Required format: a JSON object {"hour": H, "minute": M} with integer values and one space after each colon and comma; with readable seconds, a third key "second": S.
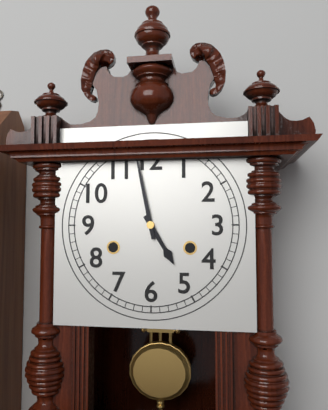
{"hour": 4, "minute": 58}
